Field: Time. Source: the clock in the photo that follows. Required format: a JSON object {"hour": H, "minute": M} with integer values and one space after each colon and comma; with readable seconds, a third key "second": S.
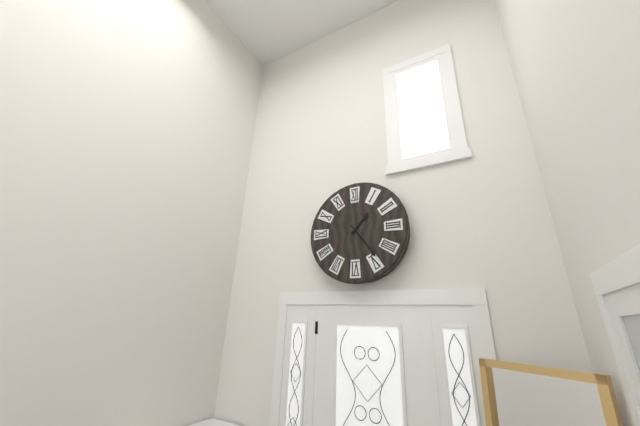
{"hour": 1, "minute": 24}
